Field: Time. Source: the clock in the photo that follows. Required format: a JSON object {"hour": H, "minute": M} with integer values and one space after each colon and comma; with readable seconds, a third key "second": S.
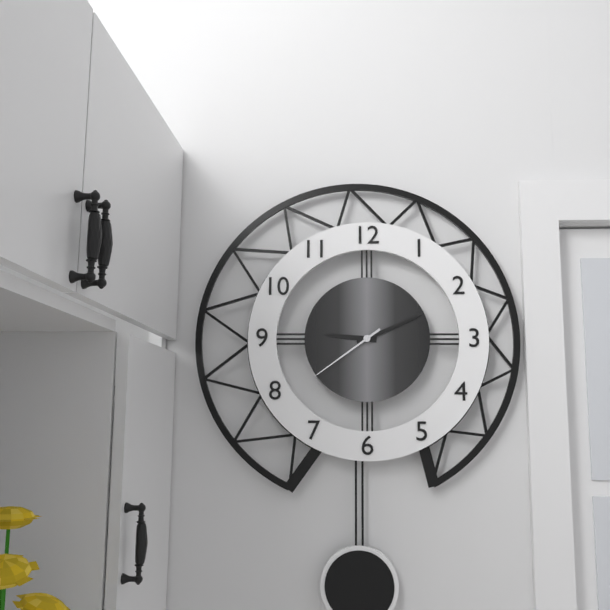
{"hour": 9, "minute": 11, "second": 39}
